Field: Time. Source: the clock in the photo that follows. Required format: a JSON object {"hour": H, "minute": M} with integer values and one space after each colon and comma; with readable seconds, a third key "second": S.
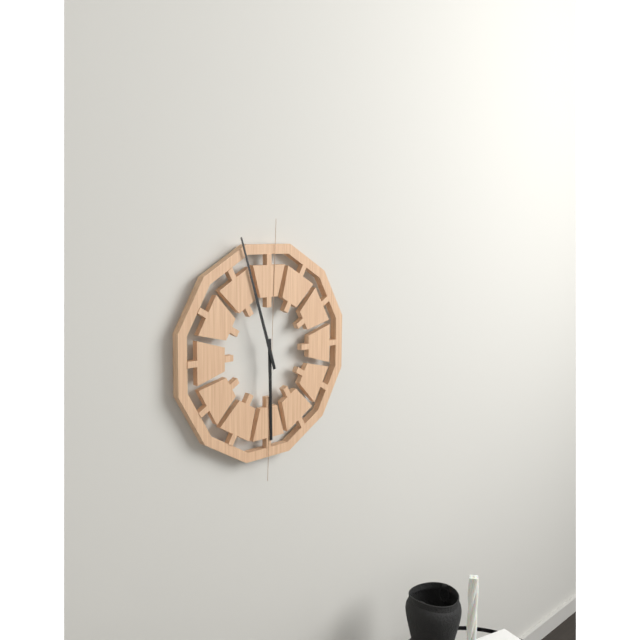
{"hour": 5, "minute": 57}
